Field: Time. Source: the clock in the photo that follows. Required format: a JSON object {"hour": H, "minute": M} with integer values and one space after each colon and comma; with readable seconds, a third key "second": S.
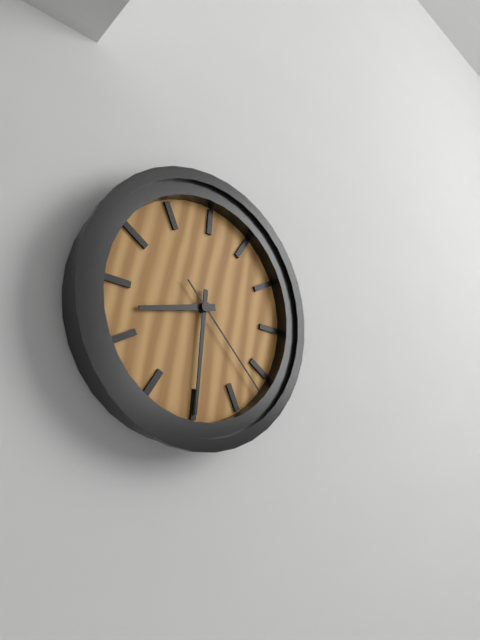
{"hour": 8, "minute": 30, "second": 22}
